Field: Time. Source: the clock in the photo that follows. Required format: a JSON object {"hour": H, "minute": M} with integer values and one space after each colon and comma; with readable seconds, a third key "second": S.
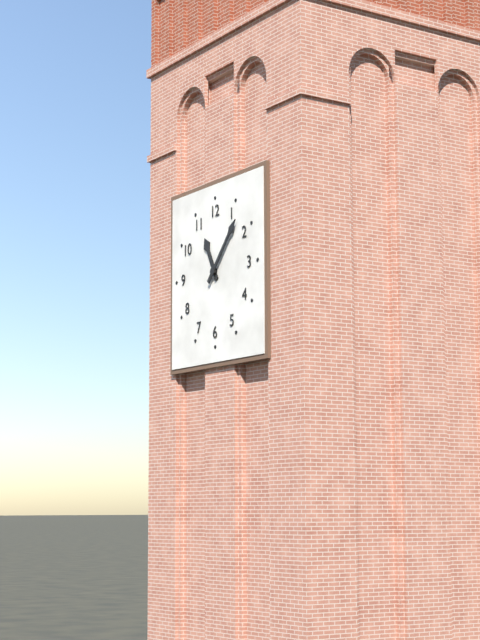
{"hour": 11, "minute": 7}
